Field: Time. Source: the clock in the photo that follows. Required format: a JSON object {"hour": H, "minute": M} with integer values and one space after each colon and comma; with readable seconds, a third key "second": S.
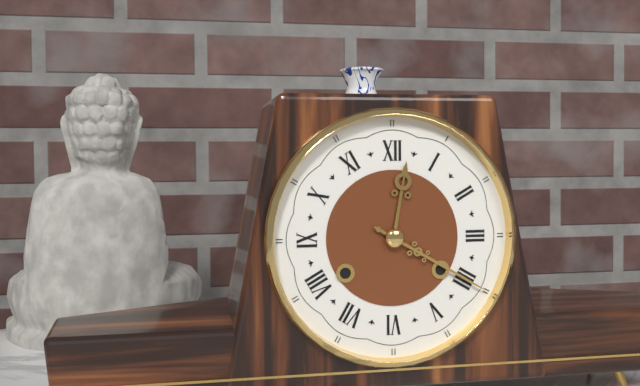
{"hour": 12, "minute": 20}
